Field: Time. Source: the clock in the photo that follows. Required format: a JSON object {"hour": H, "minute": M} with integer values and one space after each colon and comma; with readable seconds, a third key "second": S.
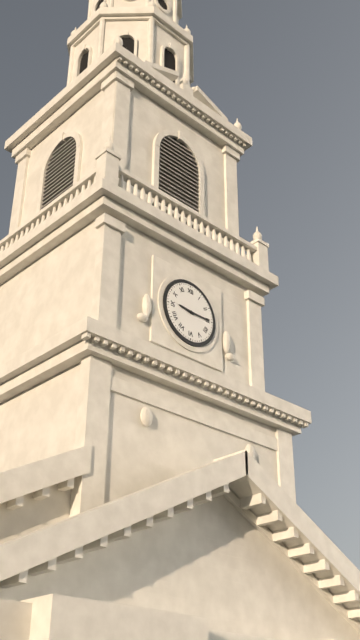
{"hour": 9, "minute": 15}
